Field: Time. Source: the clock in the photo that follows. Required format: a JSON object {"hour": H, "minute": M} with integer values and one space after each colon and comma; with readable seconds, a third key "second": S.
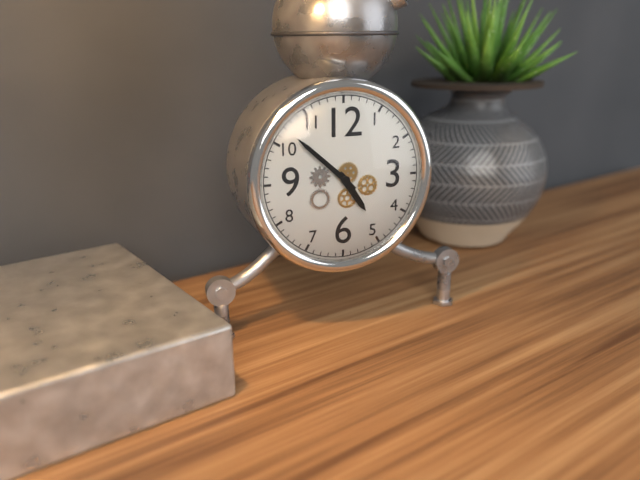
{"hour": 4, "minute": 52}
